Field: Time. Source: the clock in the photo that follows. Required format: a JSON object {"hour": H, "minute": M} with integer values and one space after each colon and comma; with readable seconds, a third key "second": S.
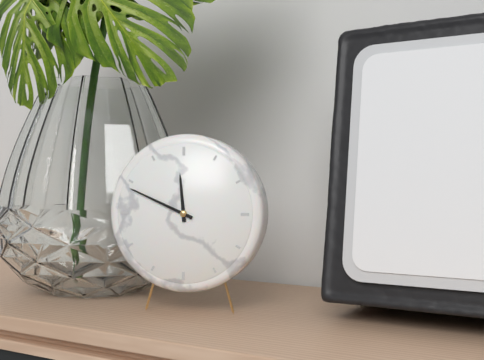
{"hour": 11, "minute": 49}
